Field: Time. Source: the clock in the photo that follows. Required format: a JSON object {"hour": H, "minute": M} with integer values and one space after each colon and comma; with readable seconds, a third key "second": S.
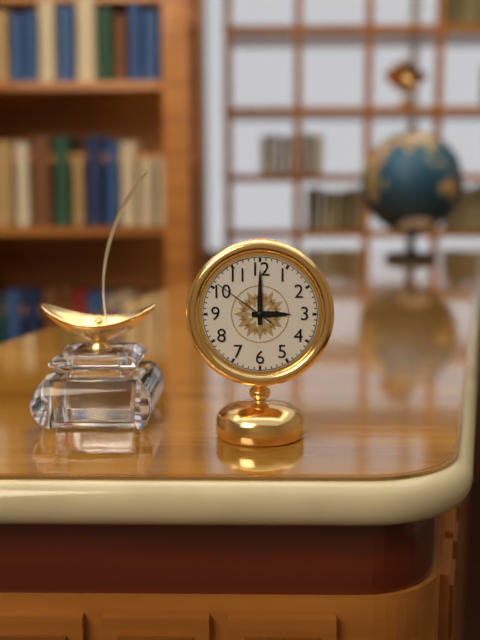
{"hour": 3, "minute": 0, "second": 51}
